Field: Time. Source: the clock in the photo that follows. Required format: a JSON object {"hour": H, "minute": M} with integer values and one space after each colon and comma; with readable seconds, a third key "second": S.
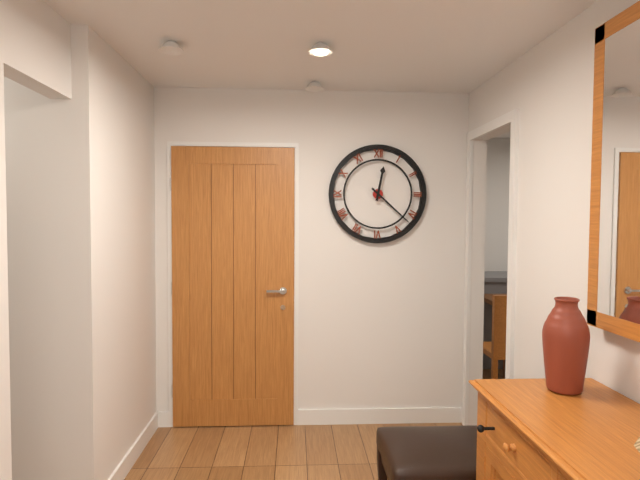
{"hour": 12, "minute": 22}
